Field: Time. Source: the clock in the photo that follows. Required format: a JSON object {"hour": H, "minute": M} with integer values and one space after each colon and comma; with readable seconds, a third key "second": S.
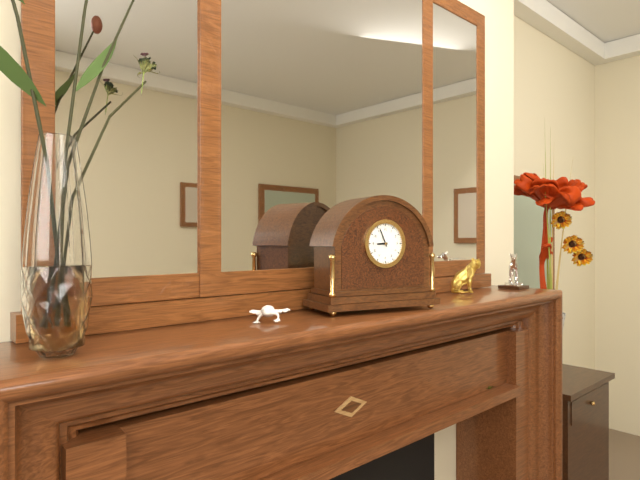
{"hour": 8, "minute": 56}
